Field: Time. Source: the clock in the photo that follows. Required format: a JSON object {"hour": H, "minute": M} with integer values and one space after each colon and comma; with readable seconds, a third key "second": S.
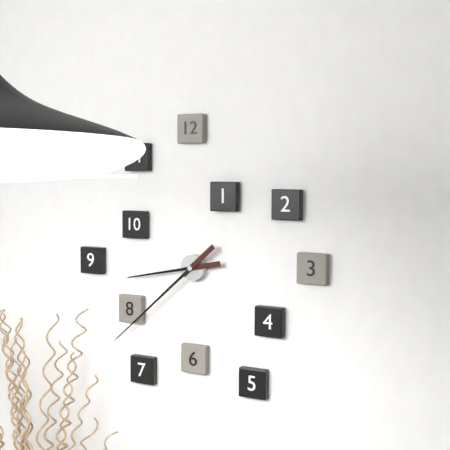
{"hour": 8, "minute": 38}
